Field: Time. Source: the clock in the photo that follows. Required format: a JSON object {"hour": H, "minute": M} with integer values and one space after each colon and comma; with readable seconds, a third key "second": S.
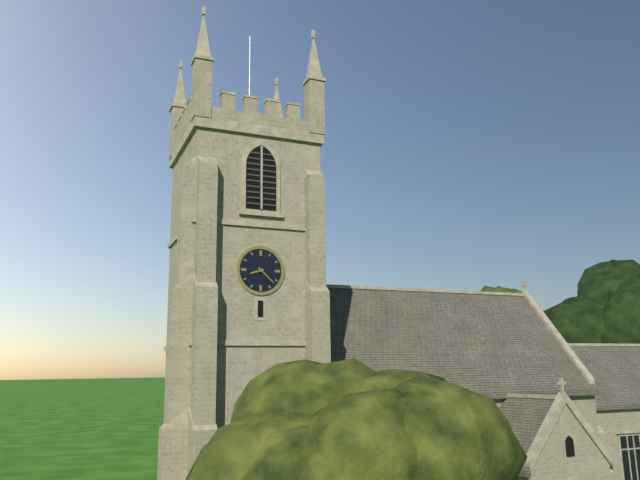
{"hour": 8, "minute": 22}
